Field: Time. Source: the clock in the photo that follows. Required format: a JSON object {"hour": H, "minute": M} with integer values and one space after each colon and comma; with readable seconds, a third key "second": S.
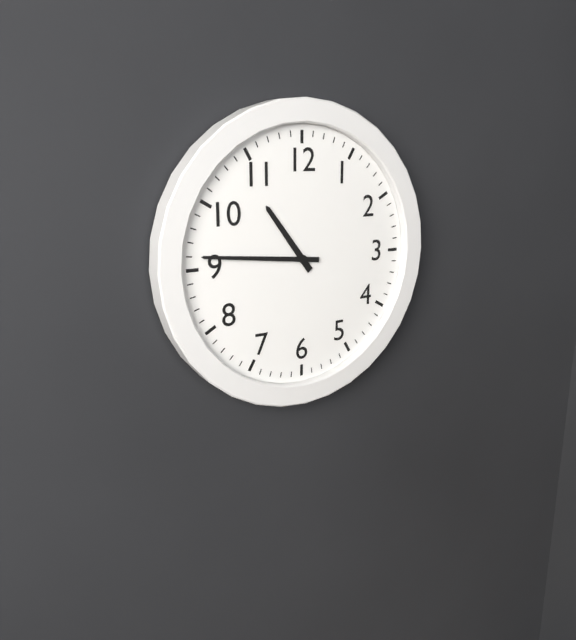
{"hour": 10, "minute": 46}
